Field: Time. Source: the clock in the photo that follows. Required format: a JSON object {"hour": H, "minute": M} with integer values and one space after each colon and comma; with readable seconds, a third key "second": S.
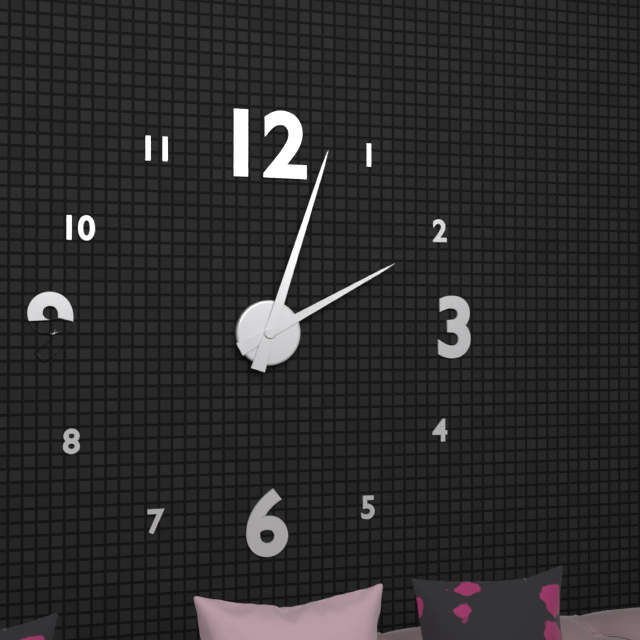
{"hour": 2, "minute": 3}
